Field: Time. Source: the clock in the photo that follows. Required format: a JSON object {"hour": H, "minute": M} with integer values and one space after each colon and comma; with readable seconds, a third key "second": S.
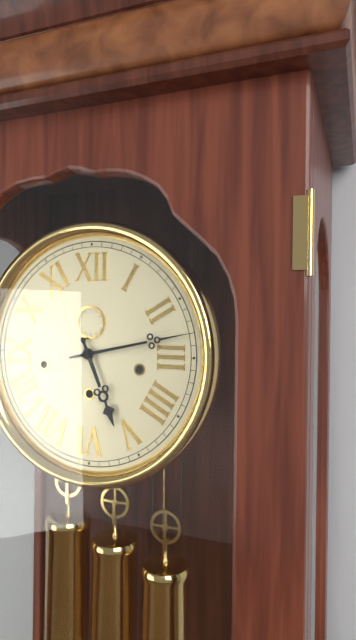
{"hour": 5, "minute": 13}
